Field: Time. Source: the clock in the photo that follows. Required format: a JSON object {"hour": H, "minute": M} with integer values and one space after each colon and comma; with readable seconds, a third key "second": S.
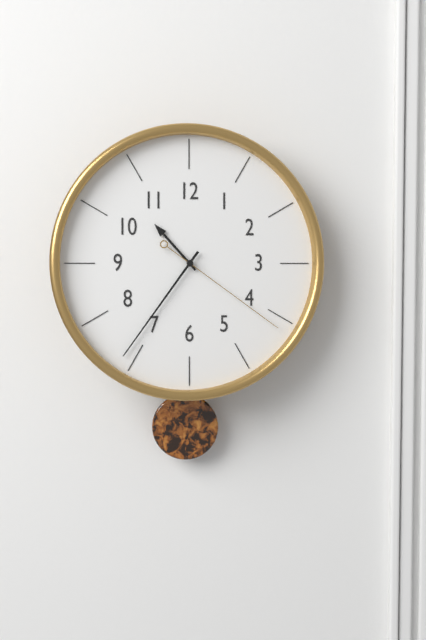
{"hour": 10, "minute": 36, "second": 21}
